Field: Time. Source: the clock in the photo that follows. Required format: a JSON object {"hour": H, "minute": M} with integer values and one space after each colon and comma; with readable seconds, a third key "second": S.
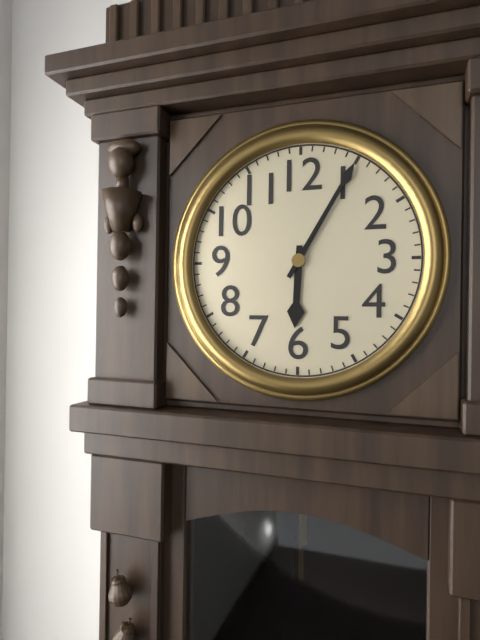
{"hour": 6, "minute": 5}
